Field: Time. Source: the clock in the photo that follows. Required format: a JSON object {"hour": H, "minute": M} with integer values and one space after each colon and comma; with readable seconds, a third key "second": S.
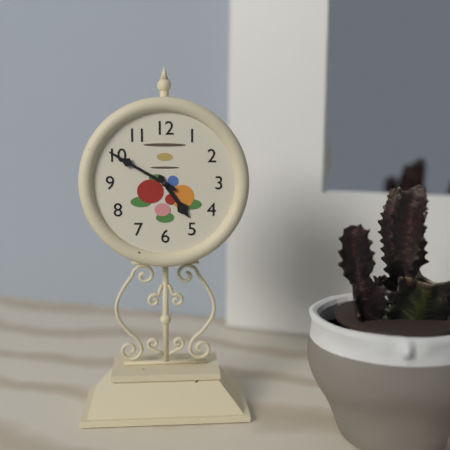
{"hour": 4, "minute": 50}
